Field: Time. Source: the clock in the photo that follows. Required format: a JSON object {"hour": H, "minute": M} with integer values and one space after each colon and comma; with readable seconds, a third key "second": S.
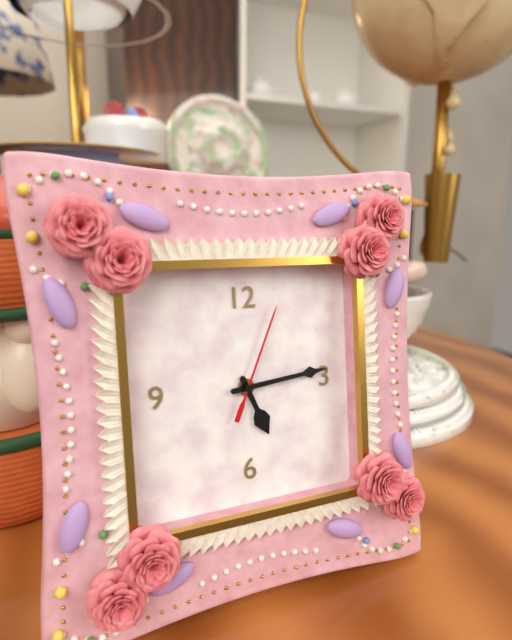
{"hour": 5, "minute": 14, "second": 4}
